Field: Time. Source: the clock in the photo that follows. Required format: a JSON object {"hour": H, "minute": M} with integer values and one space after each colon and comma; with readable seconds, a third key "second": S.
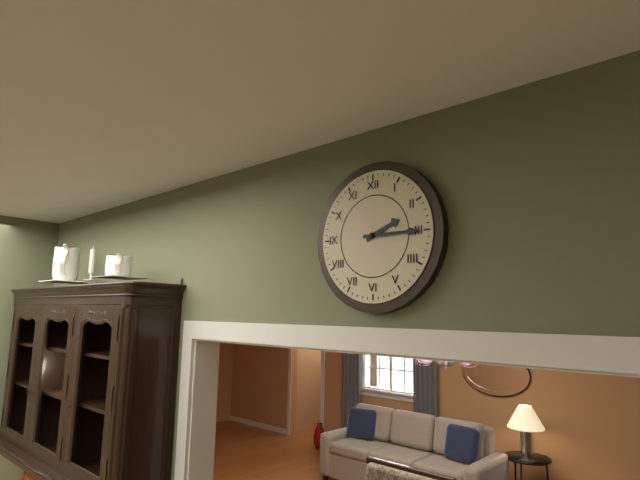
{"hour": 2, "minute": 15}
